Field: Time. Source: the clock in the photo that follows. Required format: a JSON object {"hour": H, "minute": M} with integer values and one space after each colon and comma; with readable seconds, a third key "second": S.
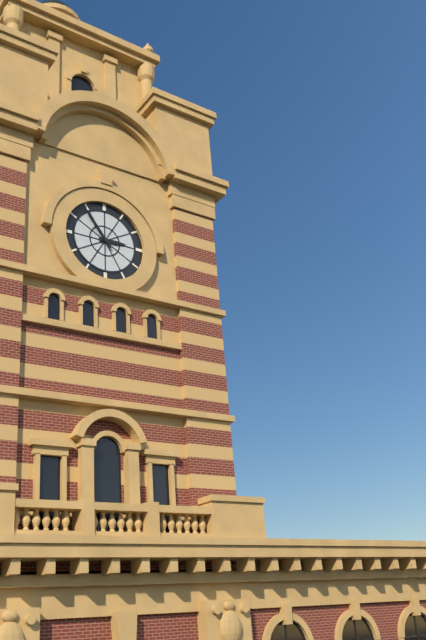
{"hour": 2, "minute": 54}
